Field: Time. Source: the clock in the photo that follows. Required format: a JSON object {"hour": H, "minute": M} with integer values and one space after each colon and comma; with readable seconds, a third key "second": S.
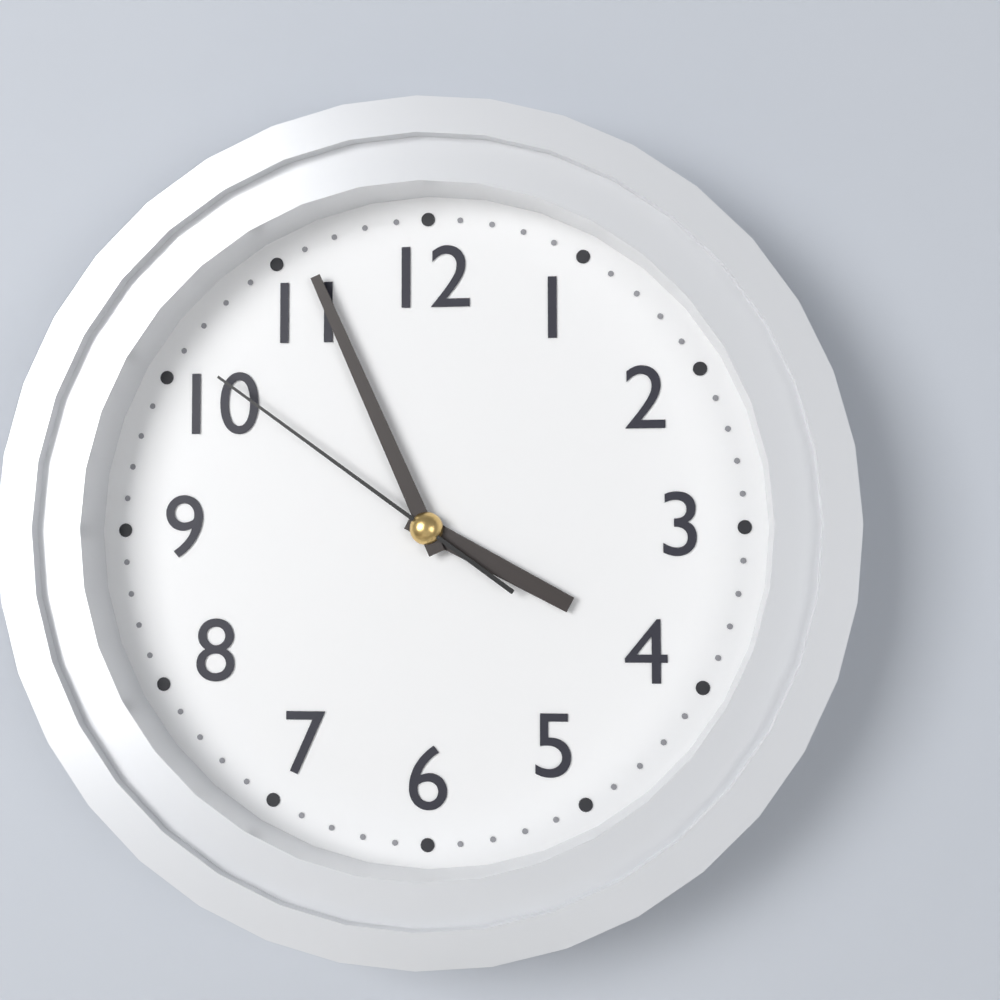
{"hour": 3, "minute": 56, "second": 51}
